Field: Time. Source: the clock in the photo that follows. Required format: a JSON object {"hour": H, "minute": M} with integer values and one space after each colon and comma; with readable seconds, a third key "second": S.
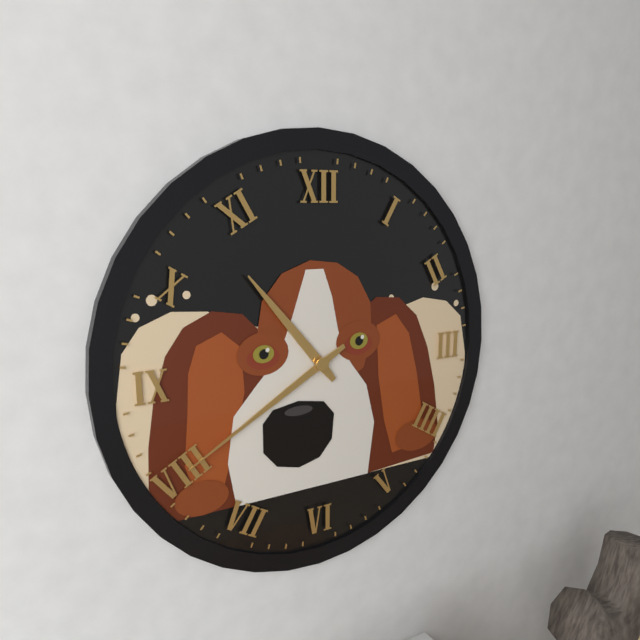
{"hour": 10, "minute": 40}
